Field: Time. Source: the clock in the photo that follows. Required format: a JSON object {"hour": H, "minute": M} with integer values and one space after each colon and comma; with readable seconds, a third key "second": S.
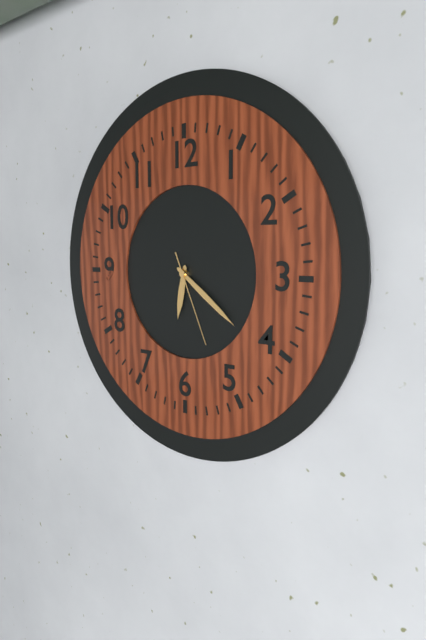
{"hour": 6, "minute": 21, "second": 26}
